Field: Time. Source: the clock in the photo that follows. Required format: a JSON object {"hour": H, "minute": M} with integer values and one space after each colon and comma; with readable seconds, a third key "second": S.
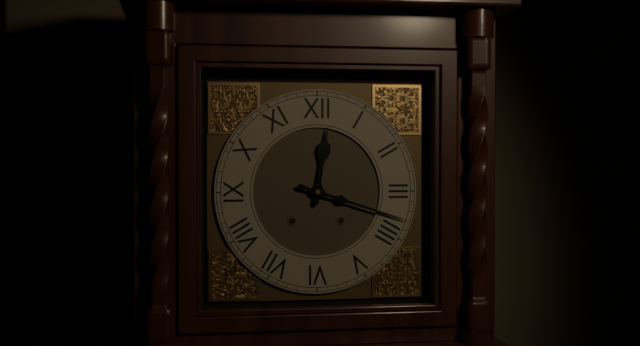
{"hour": 12, "minute": 18}
